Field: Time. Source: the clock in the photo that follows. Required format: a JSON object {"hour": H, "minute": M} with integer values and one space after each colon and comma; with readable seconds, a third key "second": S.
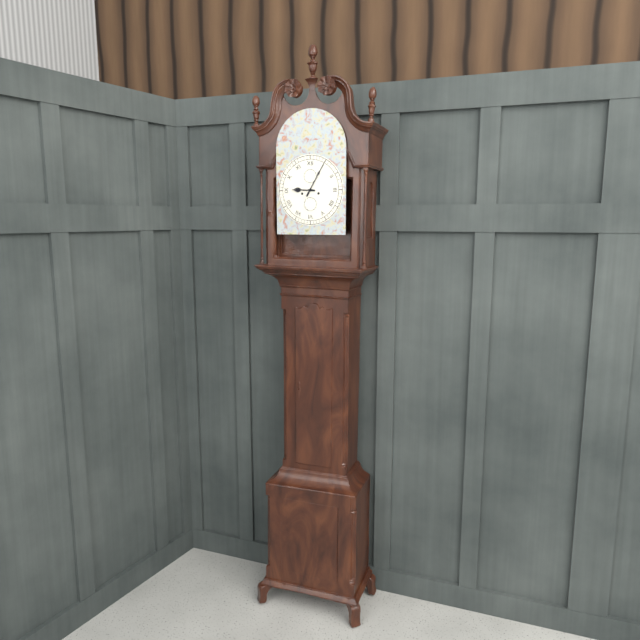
{"hour": 9, "minute": 5}
